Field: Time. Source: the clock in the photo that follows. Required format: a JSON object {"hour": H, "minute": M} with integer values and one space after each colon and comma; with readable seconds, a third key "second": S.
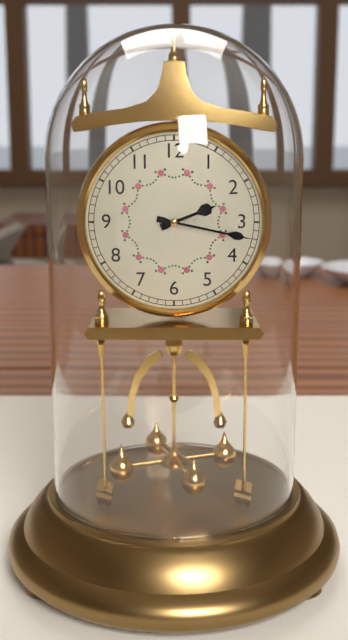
{"hour": 2, "minute": 17}
